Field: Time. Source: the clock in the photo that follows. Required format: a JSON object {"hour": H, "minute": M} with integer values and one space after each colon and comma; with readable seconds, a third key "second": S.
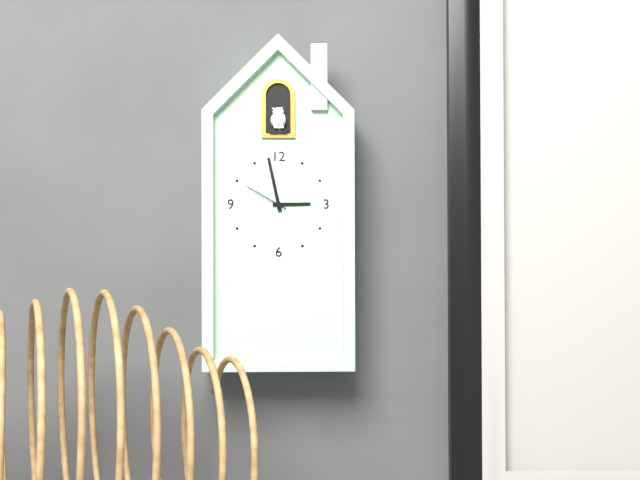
{"hour": 2, "minute": 58}
